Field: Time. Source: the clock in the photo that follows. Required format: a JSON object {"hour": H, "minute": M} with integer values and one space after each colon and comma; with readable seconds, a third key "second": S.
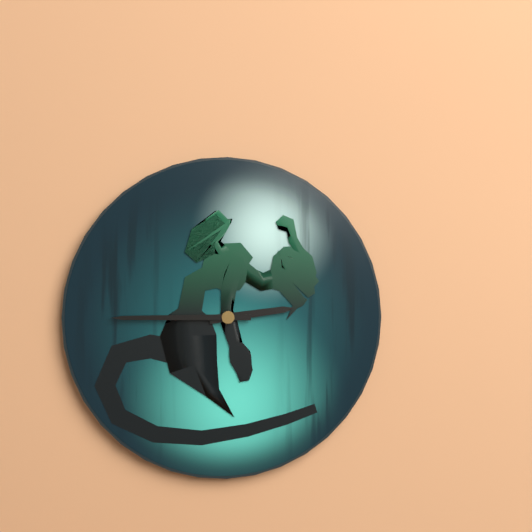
{"hour": 2, "minute": 45}
